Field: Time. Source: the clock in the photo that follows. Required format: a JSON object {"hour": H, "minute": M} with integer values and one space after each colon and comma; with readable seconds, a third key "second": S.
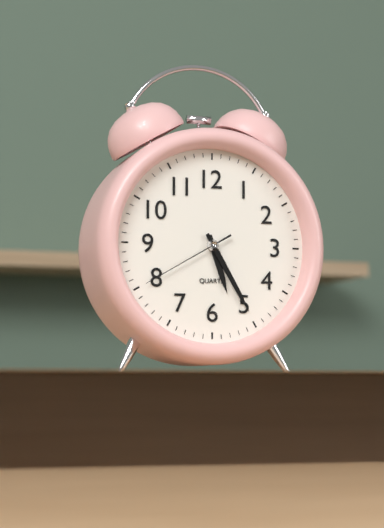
{"hour": 5, "minute": 25, "second": 40}
